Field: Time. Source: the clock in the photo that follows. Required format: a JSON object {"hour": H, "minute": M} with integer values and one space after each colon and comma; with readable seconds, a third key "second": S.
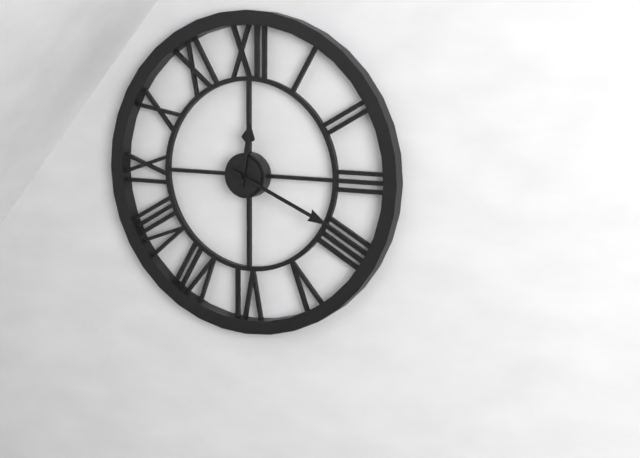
{"hour": 12, "minute": 19}
